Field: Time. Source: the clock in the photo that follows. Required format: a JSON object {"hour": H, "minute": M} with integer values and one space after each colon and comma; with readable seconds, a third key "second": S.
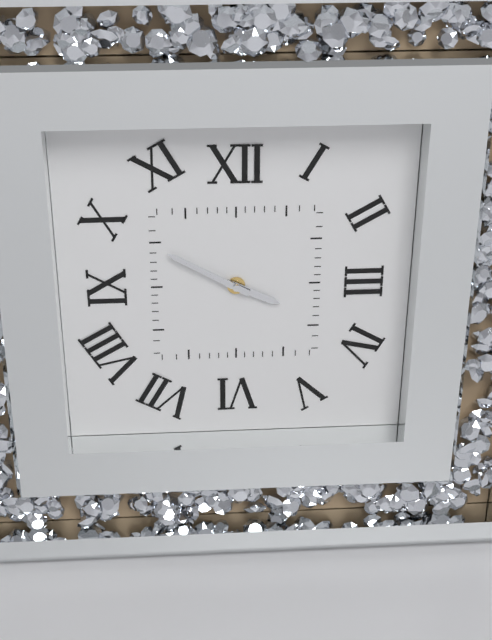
{"hour": 3, "minute": 50}
